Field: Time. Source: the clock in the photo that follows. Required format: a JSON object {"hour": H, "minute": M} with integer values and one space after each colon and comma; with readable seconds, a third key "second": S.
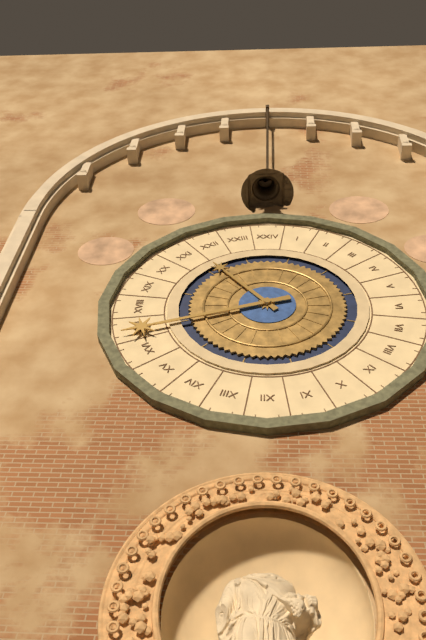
{"hour": 10, "minute": 42}
